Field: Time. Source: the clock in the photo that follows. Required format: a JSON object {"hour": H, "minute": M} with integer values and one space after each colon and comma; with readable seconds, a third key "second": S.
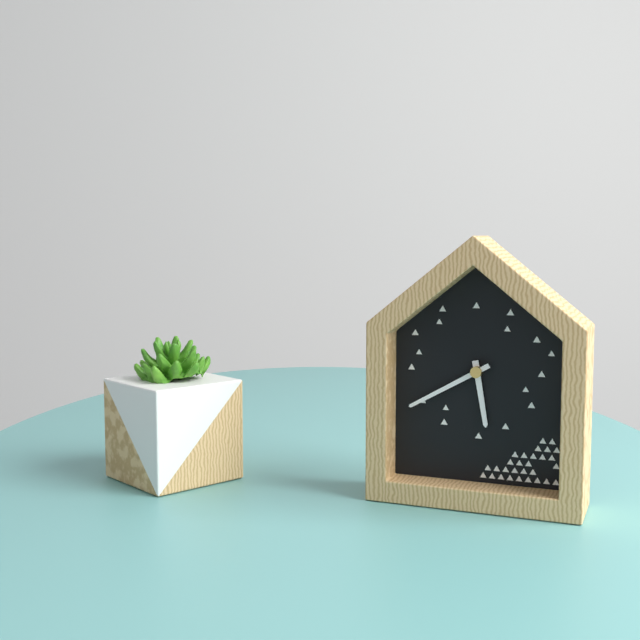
{"hour": 5, "minute": 40}
